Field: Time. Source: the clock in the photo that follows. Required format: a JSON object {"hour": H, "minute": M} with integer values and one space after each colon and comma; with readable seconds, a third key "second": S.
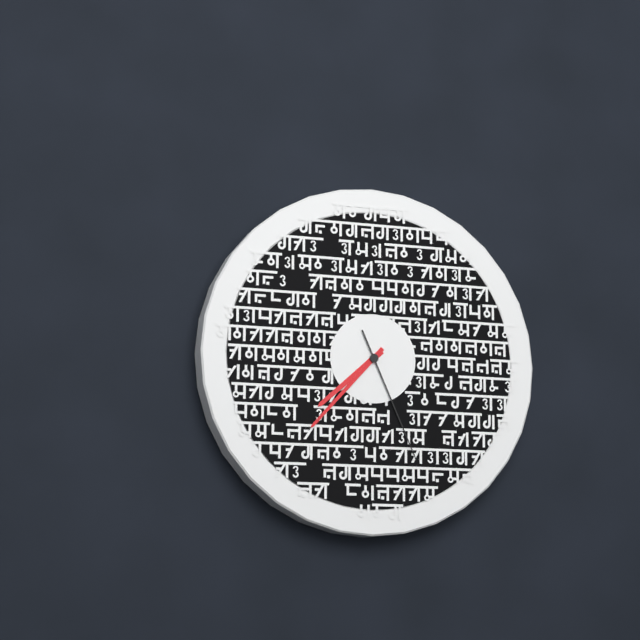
{"hour": 7, "minute": 37, "second": 26}
